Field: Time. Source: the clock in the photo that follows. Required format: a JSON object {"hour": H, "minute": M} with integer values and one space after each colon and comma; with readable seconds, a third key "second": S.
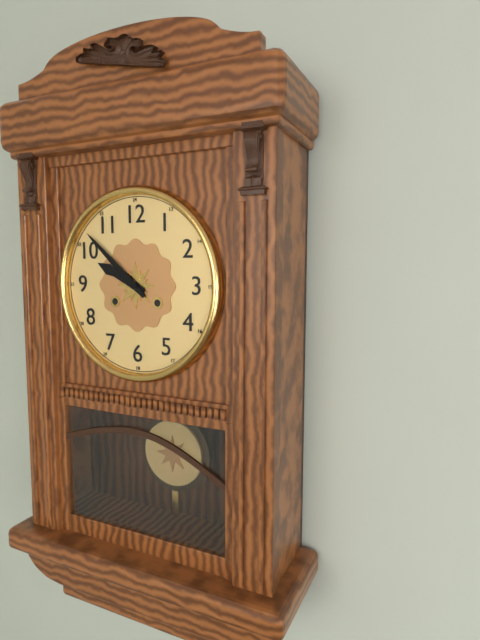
{"hour": 9, "minute": 52}
